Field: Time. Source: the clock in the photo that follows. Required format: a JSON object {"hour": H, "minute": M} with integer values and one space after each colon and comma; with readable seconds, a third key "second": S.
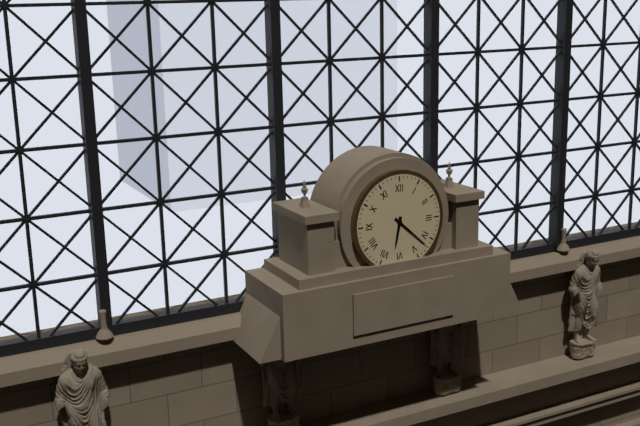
{"hour": 6, "minute": 22}
